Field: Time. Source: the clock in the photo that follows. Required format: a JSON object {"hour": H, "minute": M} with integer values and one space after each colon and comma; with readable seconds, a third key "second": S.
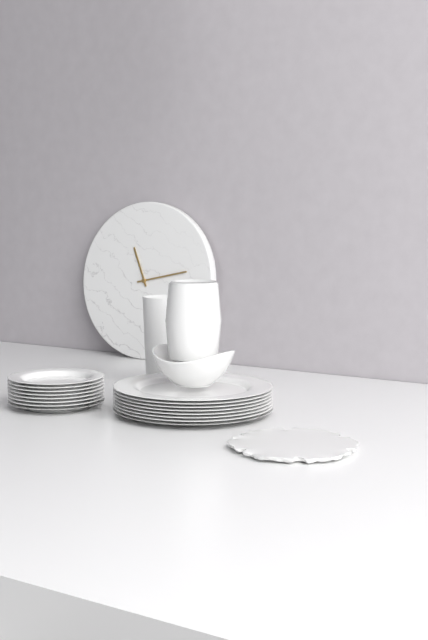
{"hour": 11, "minute": 13}
